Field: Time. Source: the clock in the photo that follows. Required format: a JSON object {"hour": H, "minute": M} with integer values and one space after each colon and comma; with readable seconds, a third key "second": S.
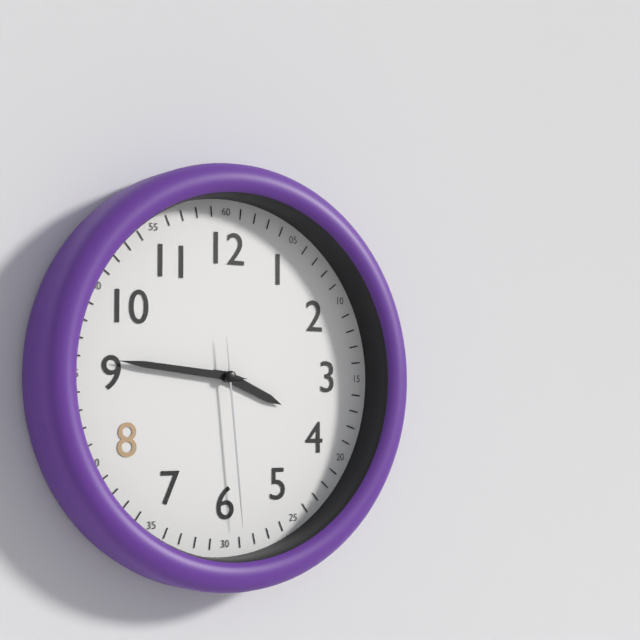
{"hour": 3, "minute": 46, "second": 29}
